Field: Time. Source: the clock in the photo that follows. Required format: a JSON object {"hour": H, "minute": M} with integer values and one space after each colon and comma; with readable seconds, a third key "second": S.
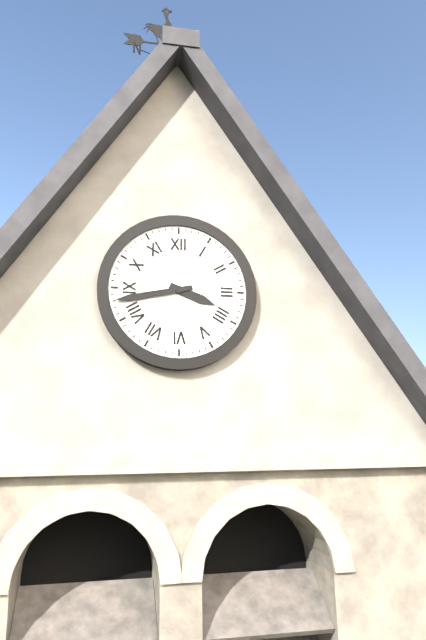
{"hour": 3, "minute": 43}
